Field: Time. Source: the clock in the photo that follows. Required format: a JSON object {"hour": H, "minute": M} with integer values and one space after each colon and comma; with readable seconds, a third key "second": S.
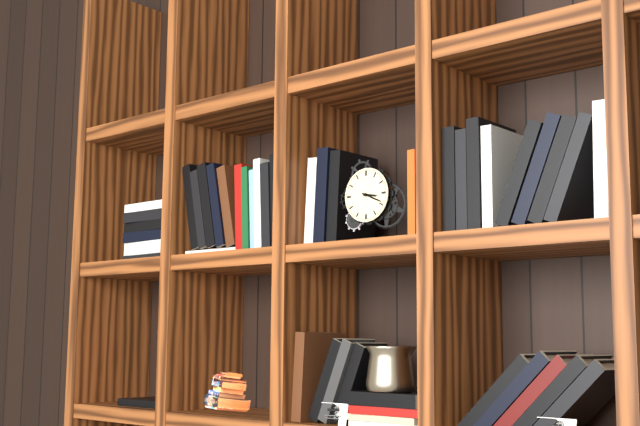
{"hour": 3, "minute": 19}
